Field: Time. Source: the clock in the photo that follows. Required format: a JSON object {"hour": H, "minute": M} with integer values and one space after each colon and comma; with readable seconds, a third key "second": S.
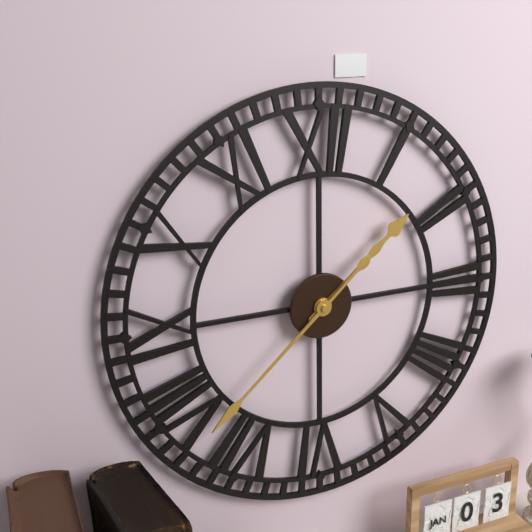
{"hour": 1, "minute": 38}
